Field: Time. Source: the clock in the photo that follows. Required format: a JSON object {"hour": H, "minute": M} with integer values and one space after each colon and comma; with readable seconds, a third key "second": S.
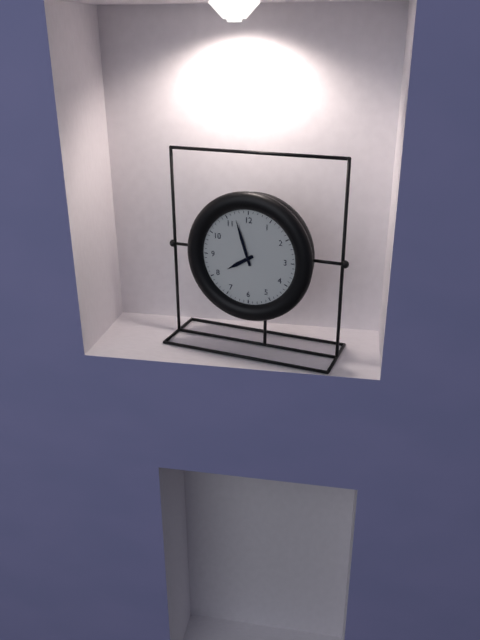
{"hour": 7, "minute": 57}
